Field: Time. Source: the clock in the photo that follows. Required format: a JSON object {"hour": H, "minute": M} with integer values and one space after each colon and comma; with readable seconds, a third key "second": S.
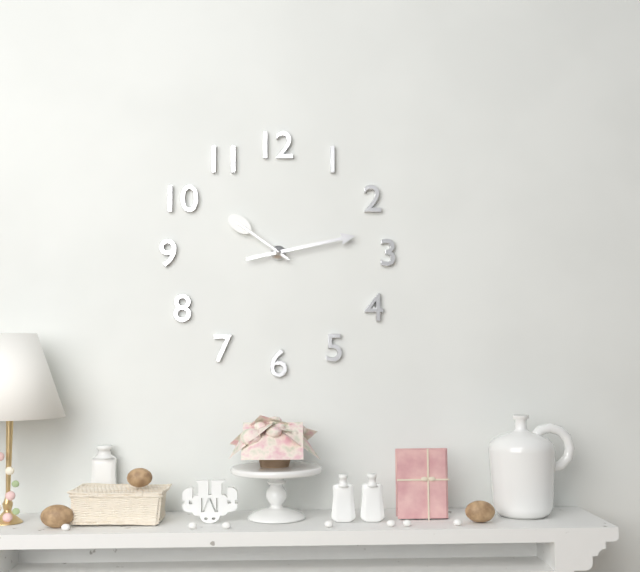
{"hour": 10, "minute": 13, "second": 51}
